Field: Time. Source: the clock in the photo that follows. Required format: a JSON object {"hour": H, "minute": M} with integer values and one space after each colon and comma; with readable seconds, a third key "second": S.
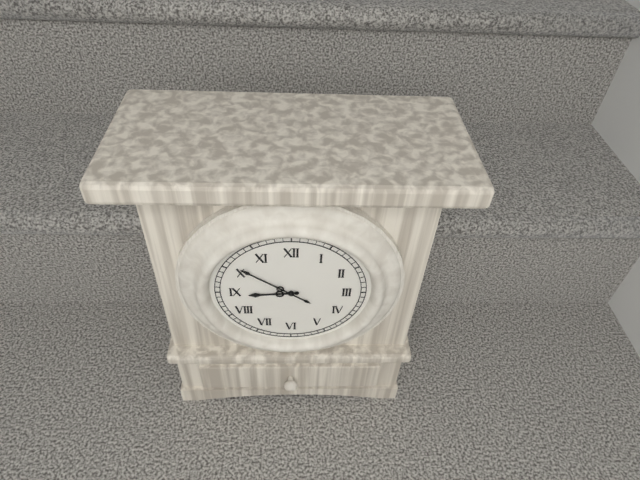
{"hour": 8, "minute": 51}
